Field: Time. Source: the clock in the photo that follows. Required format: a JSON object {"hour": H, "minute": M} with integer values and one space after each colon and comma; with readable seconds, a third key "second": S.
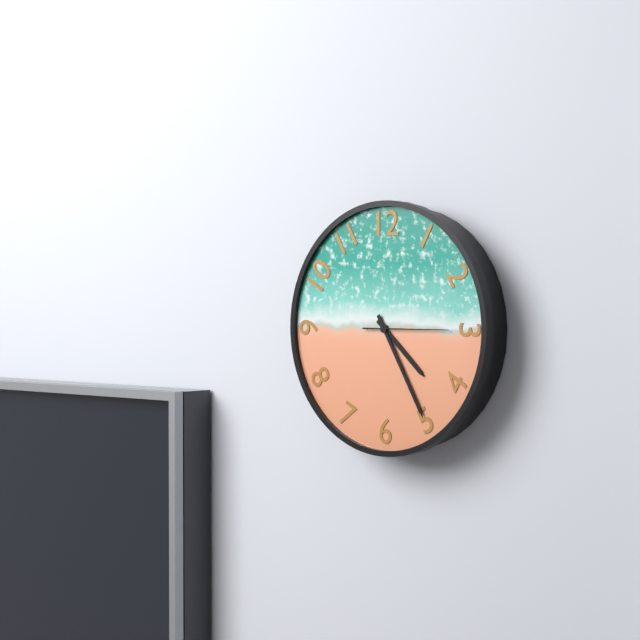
{"hour": 4, "minute": 25, "second": 15}
